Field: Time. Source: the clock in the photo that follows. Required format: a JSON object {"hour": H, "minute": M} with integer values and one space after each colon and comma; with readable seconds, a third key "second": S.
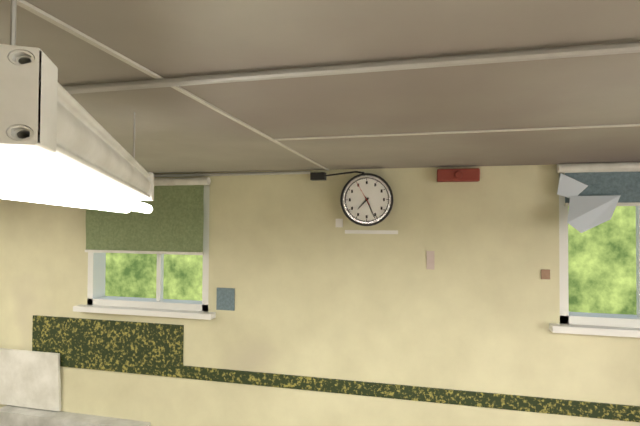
{"hour": 7, "minute": 26}
